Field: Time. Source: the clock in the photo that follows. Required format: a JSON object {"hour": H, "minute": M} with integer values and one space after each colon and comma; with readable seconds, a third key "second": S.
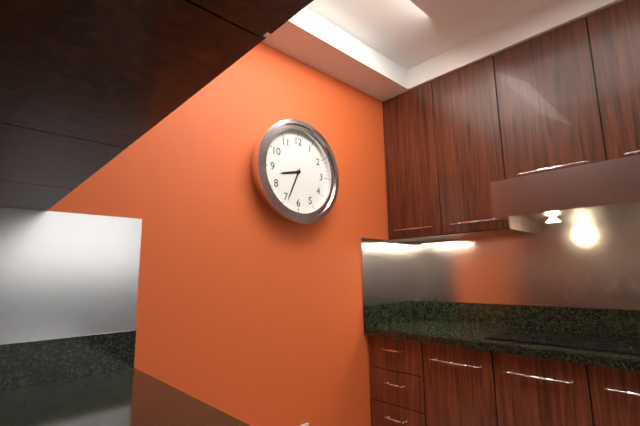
{"hour": 8, "minute": 34}
